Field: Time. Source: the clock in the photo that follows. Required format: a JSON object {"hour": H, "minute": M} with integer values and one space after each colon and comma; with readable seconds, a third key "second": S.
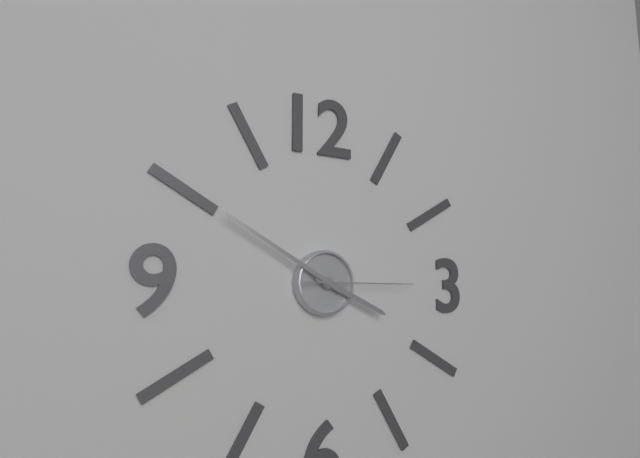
{"hour": 3, "minute": 50, "second": 15}
